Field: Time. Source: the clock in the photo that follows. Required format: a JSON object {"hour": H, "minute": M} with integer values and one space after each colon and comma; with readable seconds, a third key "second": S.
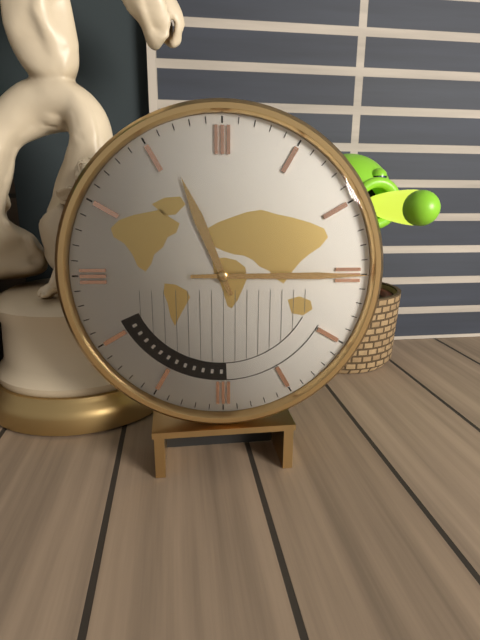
{"hour": 11, "minute": 15}
